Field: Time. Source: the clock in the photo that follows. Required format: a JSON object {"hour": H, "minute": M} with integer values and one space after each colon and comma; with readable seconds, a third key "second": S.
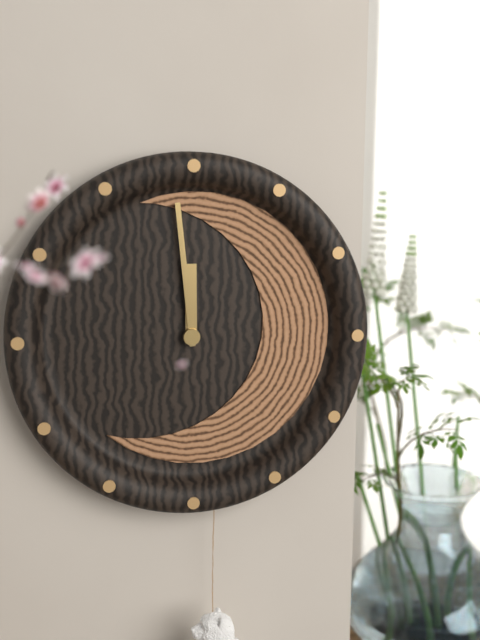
{"hour": 11, "minute": 59}
